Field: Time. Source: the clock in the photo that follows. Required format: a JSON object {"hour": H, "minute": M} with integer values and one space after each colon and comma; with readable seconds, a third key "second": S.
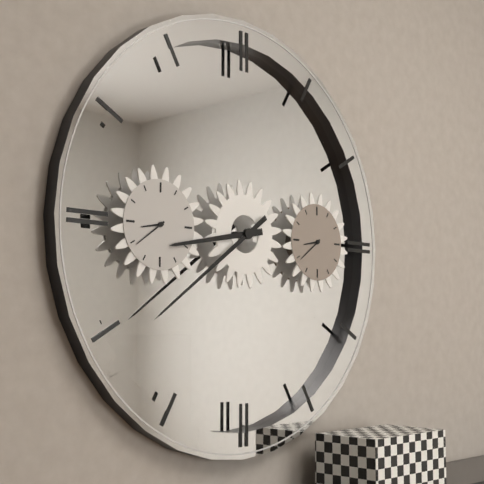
{"hour": 8, "minute": 39}
